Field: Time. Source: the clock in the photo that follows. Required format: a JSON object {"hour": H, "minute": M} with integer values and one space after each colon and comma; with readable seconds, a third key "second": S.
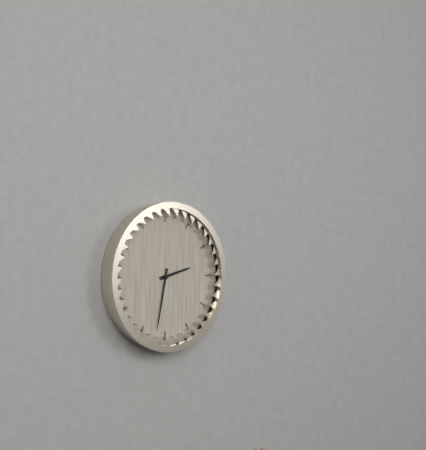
{"hour": 2, "minute": 32}
